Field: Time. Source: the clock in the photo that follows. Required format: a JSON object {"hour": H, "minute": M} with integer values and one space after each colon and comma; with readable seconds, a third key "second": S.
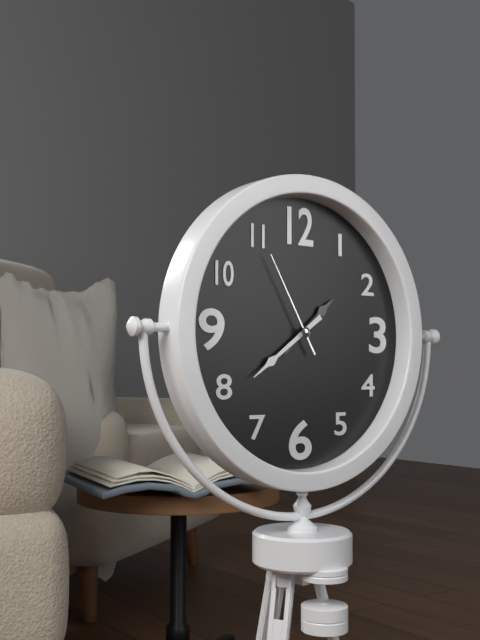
{"hour": 1, "minute": 39, "second": 55}
